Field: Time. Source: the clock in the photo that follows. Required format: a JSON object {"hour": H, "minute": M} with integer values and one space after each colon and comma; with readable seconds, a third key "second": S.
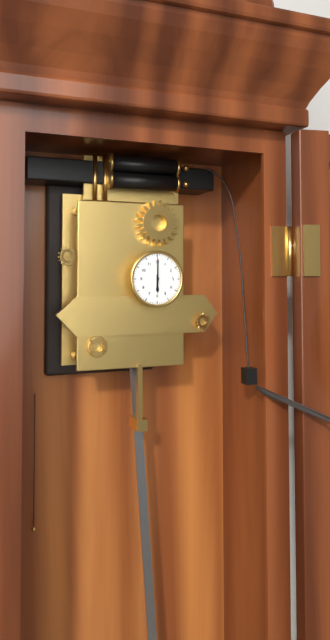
{"hour": 6, "minute": 0}
